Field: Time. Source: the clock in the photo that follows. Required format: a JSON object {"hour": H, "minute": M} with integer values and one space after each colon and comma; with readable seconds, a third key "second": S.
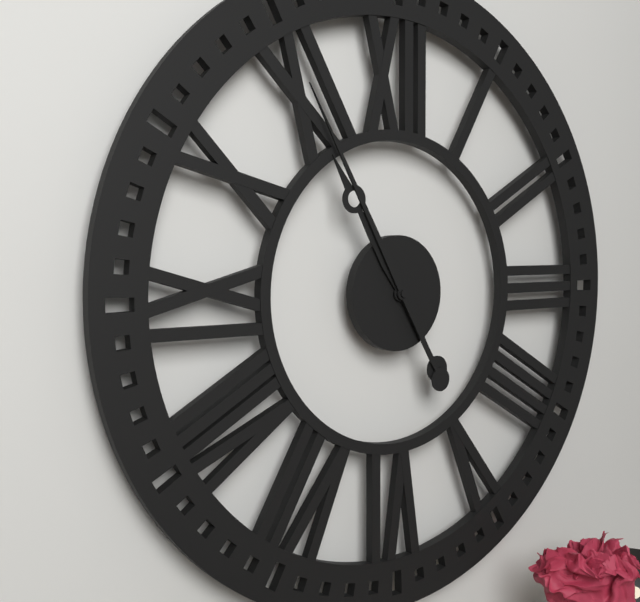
{"hour": 10, "minute": 55}
